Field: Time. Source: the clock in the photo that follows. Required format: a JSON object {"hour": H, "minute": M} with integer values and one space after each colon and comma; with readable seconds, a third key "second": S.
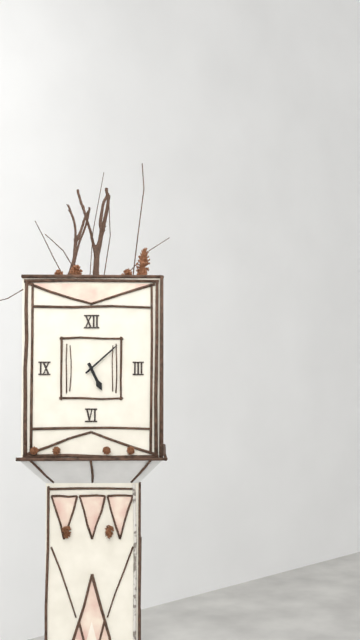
{"hour": 5, "minute": 8}
